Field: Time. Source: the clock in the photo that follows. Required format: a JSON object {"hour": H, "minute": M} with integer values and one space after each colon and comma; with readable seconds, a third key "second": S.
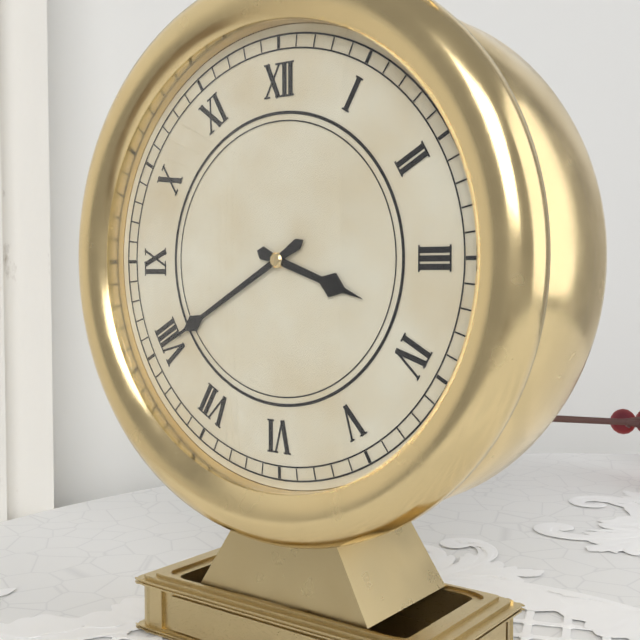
{"hour": 3, "minute": 40}
